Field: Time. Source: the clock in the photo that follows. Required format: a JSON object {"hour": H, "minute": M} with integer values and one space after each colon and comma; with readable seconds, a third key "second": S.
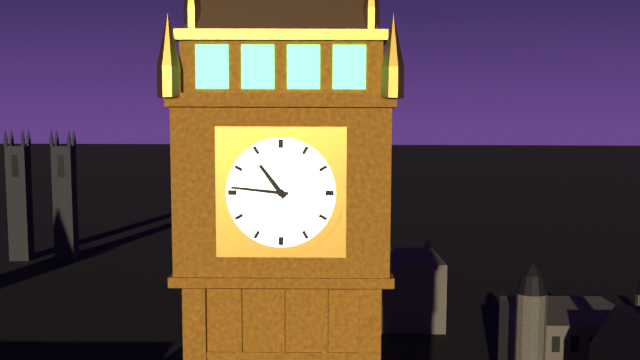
{"hour": 10, "minute": 46}
